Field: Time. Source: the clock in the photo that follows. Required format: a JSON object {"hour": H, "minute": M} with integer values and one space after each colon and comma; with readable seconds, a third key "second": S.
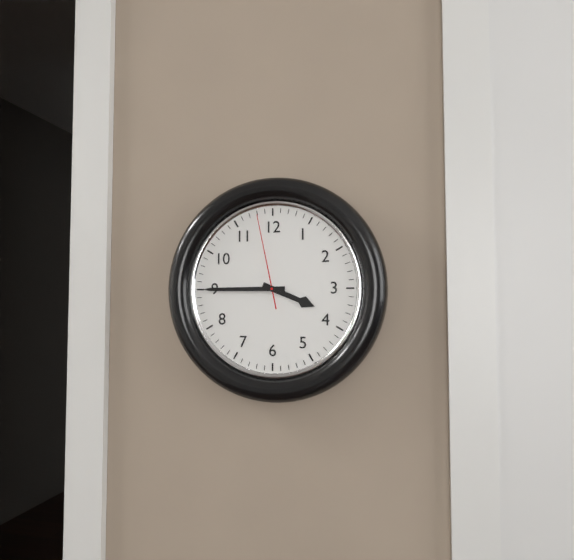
{"hour": 3, "minute": 45, "second": 58}
